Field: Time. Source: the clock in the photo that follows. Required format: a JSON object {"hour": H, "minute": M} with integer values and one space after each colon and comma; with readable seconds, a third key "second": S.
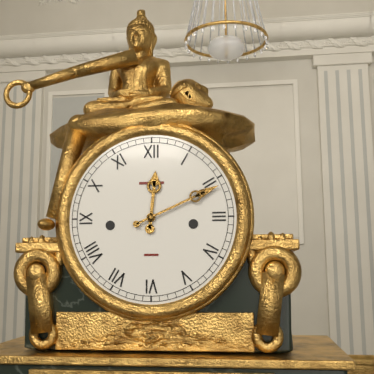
{"hour": 12, "minute": 11}
